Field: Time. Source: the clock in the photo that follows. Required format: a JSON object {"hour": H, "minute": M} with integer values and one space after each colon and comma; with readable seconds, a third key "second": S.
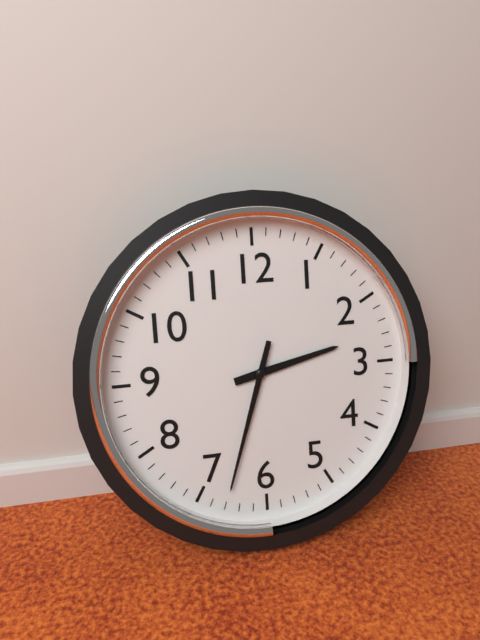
{"hour": 2, "minute": 33}
